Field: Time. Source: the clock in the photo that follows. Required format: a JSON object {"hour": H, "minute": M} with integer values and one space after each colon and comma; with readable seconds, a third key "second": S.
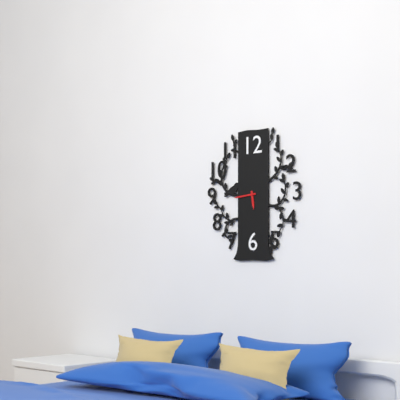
{"hour": 5, "minute": 44}
